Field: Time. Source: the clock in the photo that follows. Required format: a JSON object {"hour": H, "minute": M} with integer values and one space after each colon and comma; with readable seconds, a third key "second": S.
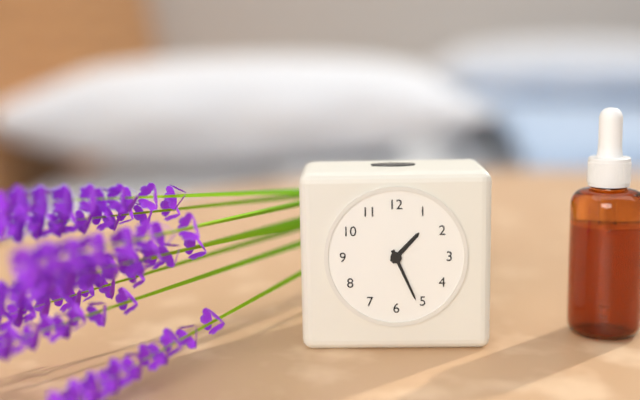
{"hour": 1, "minute": 26}
